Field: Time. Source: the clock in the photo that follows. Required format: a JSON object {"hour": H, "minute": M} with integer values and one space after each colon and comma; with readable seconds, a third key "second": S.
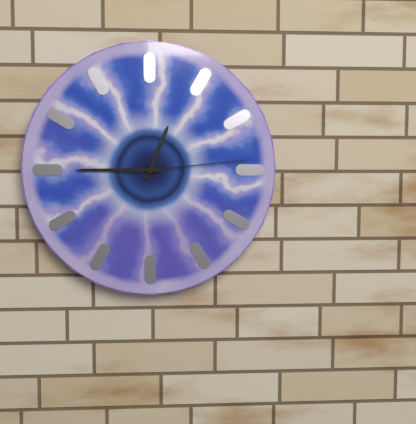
{"hour": 12, "minute": 45, "second": 14}
